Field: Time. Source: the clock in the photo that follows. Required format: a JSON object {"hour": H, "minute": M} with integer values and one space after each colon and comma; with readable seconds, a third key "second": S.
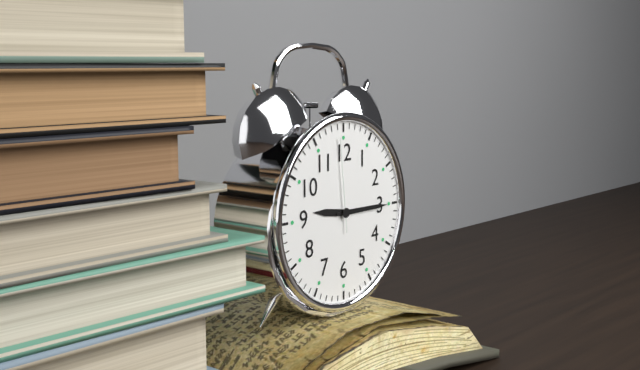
{"hour": 9, "minute": 15, "second": 59}
